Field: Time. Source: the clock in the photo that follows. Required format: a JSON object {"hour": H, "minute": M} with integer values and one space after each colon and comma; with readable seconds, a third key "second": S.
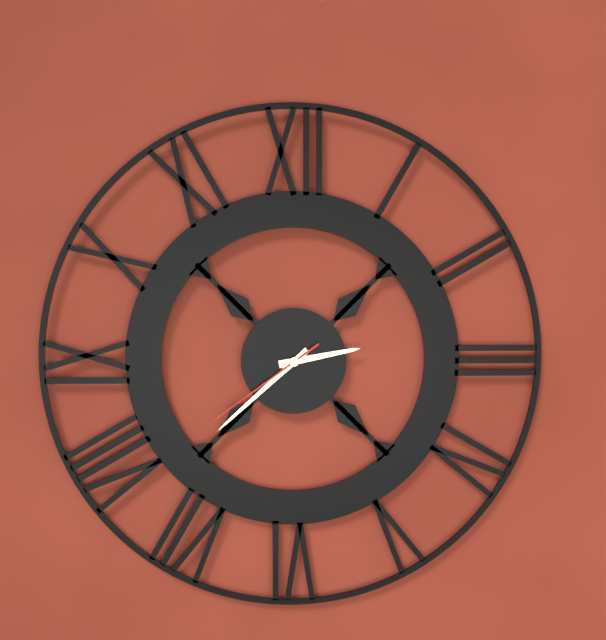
{"hour": 2, "minute": 38, "second": 39}
